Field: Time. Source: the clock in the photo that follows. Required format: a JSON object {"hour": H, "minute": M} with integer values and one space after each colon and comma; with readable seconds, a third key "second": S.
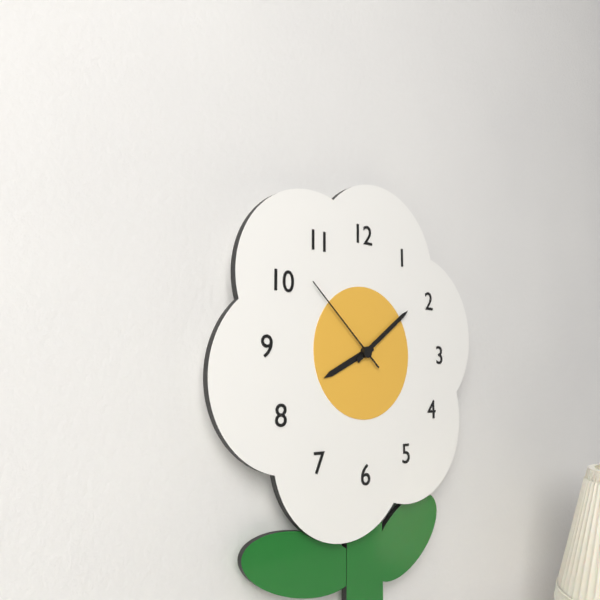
{"hour": 8, "minute": 9, "second": 52}
